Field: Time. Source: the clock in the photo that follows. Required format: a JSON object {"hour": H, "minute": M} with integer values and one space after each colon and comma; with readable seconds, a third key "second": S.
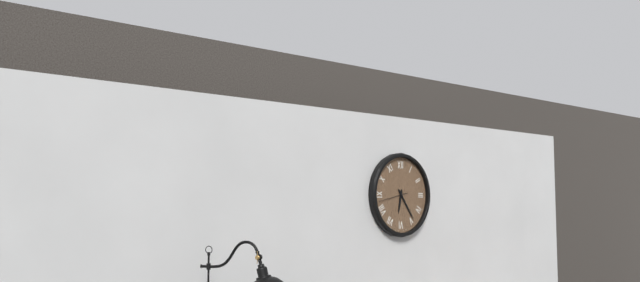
{"hour": 6, "minute": 24}
